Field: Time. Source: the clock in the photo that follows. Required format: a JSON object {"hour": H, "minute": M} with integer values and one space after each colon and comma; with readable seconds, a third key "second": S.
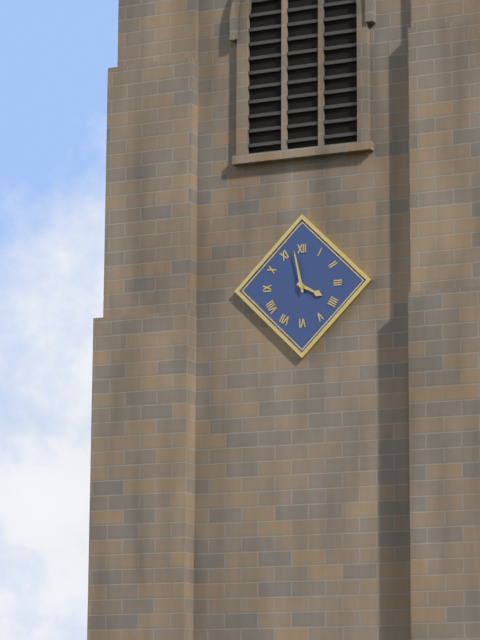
{"hour": 3, "minute": 58}
